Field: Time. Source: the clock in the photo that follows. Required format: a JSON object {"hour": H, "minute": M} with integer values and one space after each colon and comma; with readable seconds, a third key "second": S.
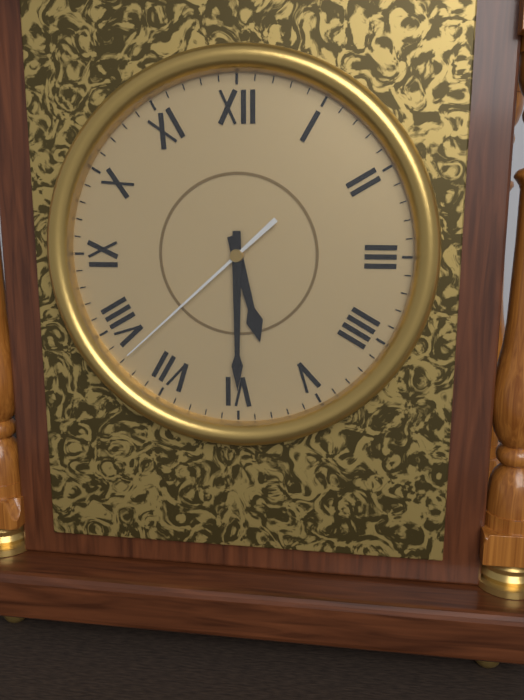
{"hour": 5, "minute": 30, "second": 38}
